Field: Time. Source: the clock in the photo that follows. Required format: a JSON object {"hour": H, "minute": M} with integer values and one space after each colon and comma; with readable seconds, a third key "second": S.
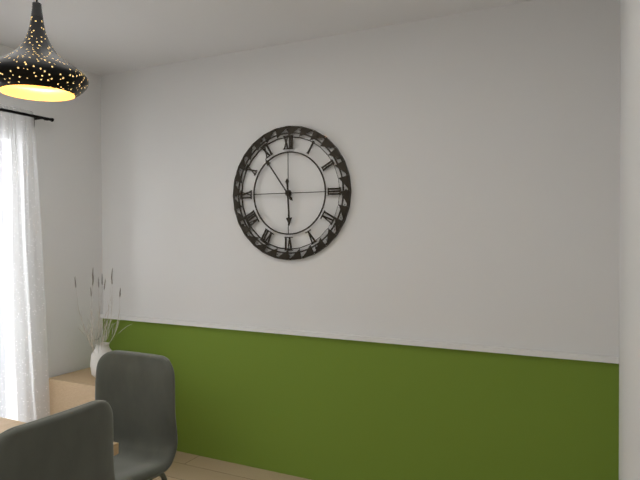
{"hour": 5, "minute": 54}
